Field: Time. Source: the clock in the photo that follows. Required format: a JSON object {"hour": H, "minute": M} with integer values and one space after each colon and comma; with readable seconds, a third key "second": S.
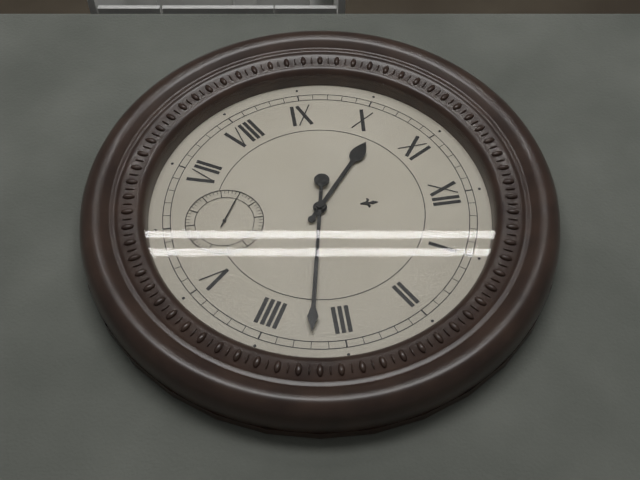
{"hour": 10, "minute": 17}
